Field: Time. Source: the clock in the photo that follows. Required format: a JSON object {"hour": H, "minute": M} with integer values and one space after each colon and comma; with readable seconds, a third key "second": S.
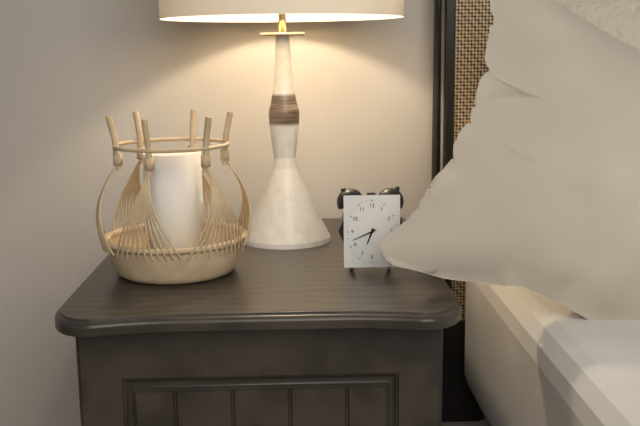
{"hour": 6, "minute": 41}
